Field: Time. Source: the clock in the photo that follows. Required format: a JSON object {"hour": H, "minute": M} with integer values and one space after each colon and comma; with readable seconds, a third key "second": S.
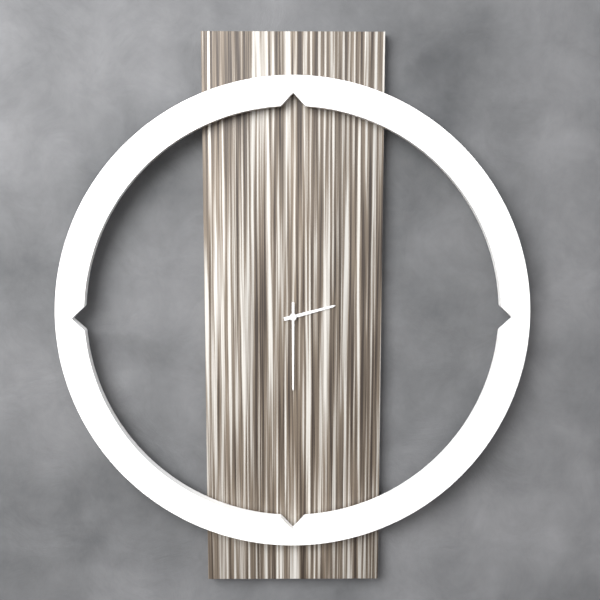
{"hour": 2, "minute": 30}
